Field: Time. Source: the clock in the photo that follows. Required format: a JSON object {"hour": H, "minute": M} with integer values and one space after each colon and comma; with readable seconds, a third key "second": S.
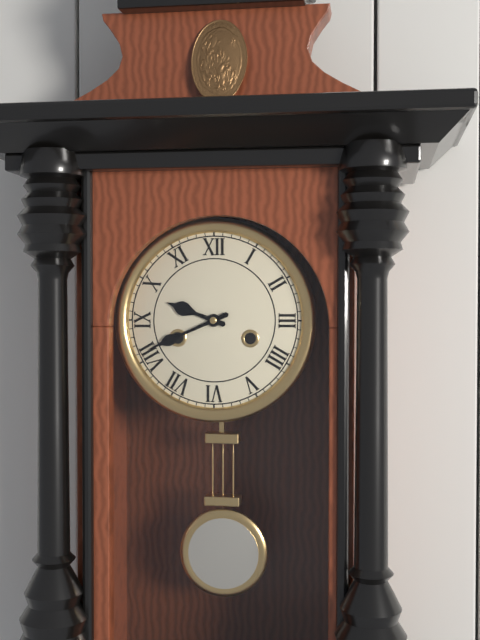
{"hour": 9, "minute": 41}
